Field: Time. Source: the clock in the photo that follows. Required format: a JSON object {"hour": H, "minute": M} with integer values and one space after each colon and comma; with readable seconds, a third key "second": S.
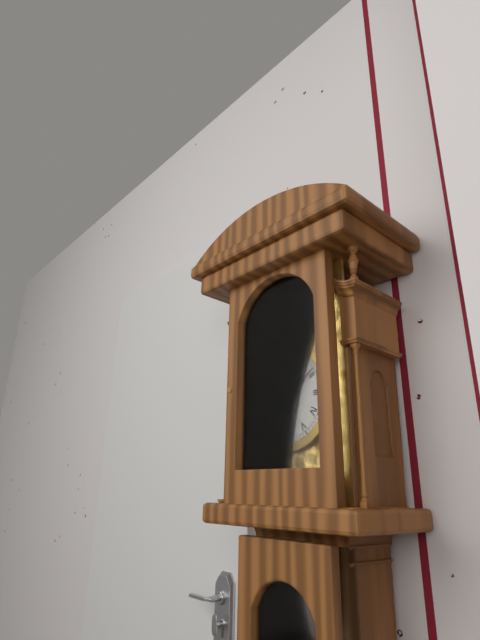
{"hour": 1, "minute": 9}
